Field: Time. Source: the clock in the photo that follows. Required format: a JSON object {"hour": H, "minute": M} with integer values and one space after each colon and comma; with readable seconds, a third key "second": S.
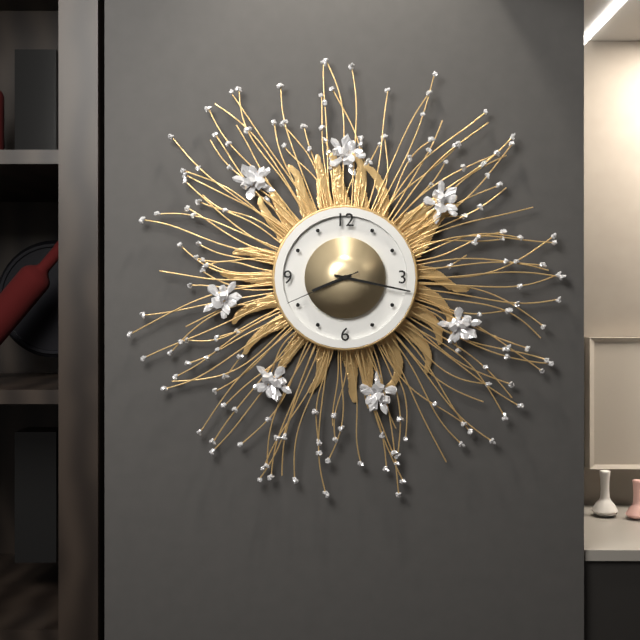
{"hour": 8, "minute": 17, "second": 41}
